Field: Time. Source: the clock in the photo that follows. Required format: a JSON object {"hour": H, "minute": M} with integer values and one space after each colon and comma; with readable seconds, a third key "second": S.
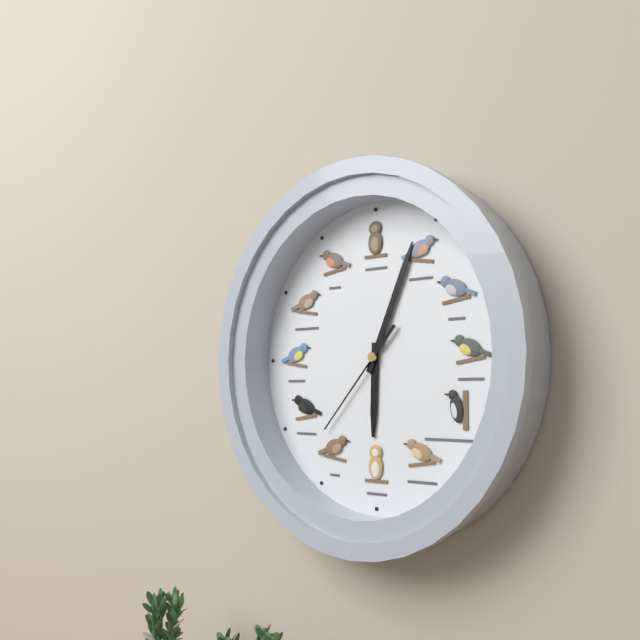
{"hour": 6, "minute": 4, "second": 37}
